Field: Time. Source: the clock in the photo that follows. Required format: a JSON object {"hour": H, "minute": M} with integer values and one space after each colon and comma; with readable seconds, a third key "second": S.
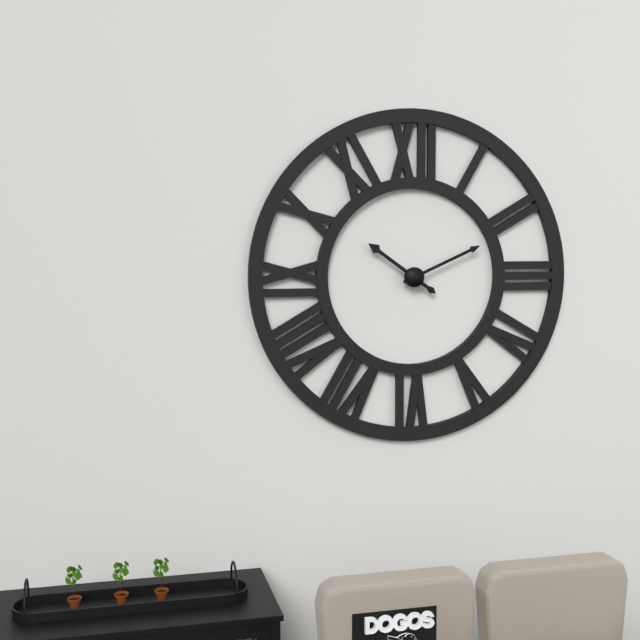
{"hour": 10, "minute": 11}
